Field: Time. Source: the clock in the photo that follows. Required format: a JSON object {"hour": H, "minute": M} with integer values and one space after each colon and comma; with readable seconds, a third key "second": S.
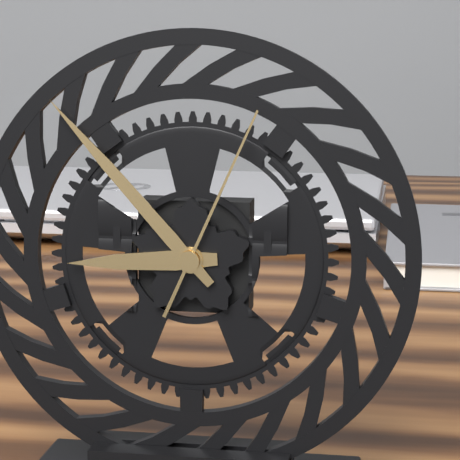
{"hour": 8, "minute": 53, "second": 4}
